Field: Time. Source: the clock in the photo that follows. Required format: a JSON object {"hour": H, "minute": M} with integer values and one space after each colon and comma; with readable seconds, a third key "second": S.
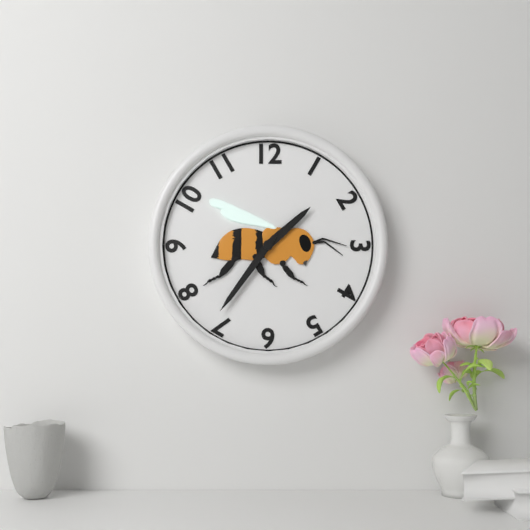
{"hour": 1, "minute": 36}
